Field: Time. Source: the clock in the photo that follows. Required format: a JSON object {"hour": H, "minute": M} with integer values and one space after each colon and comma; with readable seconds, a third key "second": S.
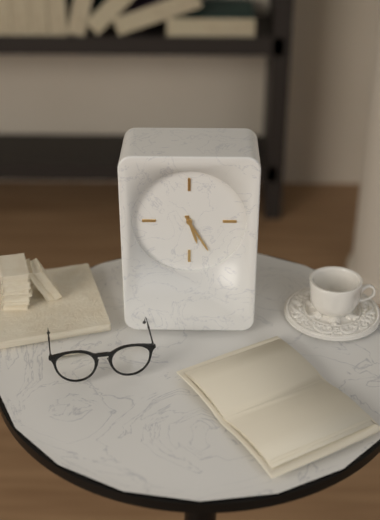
{"hour": 5, "minute": 25}
